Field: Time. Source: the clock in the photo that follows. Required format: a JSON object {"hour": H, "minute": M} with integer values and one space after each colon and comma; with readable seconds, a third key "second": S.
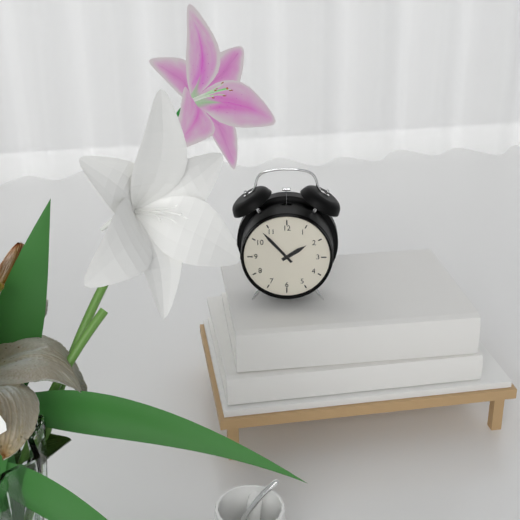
{"hour": 1, "minute": 53}
